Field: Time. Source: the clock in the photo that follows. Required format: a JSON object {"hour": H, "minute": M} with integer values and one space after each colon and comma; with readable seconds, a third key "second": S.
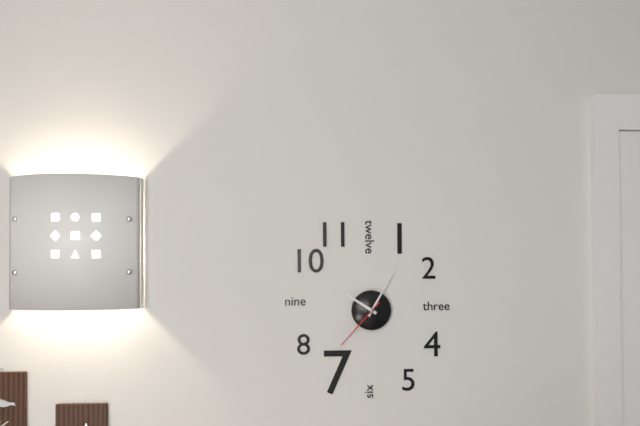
{"hour": 10, "minute": 5, "second": 37}
